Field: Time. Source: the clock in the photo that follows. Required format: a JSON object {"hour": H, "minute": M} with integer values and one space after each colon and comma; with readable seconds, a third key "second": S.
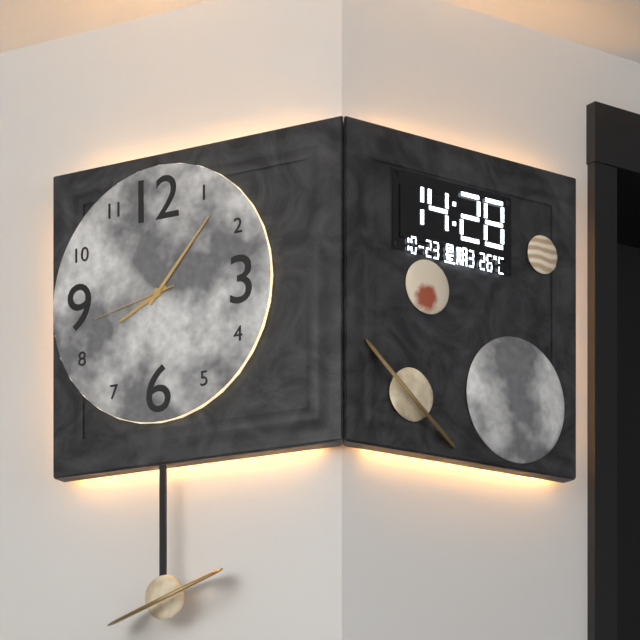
{"hour": 8, "minute": 7, "second": 43}
